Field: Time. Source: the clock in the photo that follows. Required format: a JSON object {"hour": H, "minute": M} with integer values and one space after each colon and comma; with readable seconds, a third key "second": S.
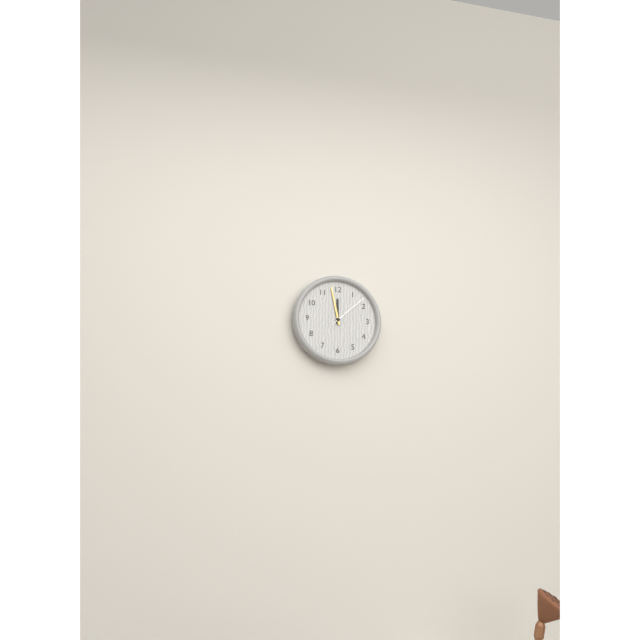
{"hour": 11, "minute": 58}
